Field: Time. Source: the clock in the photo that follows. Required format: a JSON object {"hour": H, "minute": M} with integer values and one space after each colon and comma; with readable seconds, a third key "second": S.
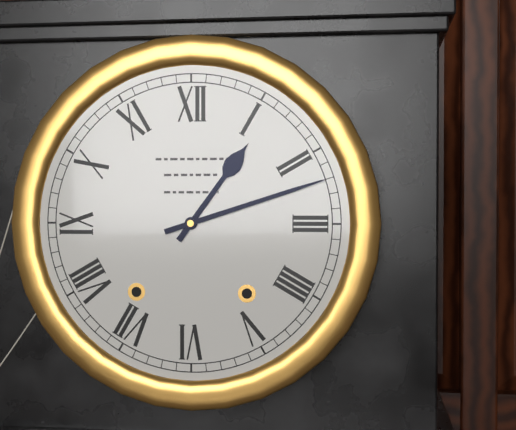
{"hour": 1, "minute": 12}
